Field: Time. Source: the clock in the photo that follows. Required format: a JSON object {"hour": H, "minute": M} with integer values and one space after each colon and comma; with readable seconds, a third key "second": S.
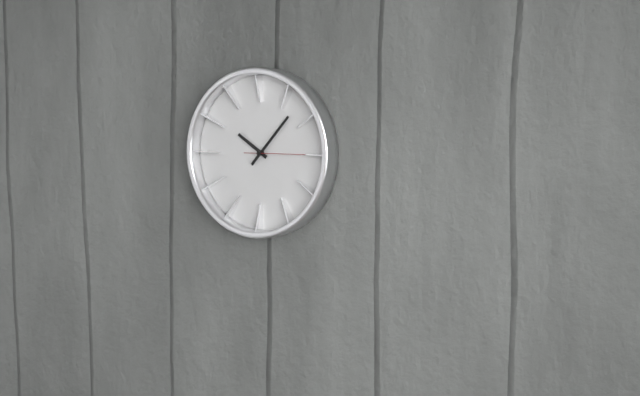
{"hour": 10, "minute": 7, "second": 15}
